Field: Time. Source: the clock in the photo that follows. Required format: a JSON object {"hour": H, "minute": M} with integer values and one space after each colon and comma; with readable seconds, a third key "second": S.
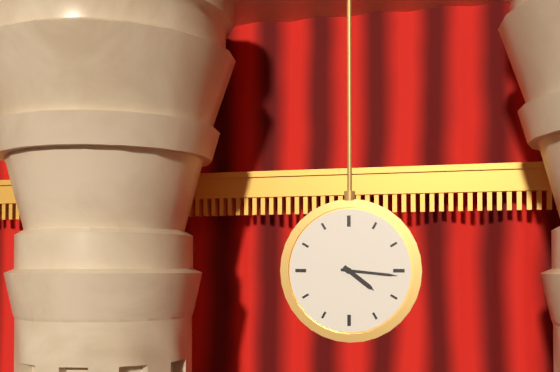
{"hour": 4, "minute": 16}
